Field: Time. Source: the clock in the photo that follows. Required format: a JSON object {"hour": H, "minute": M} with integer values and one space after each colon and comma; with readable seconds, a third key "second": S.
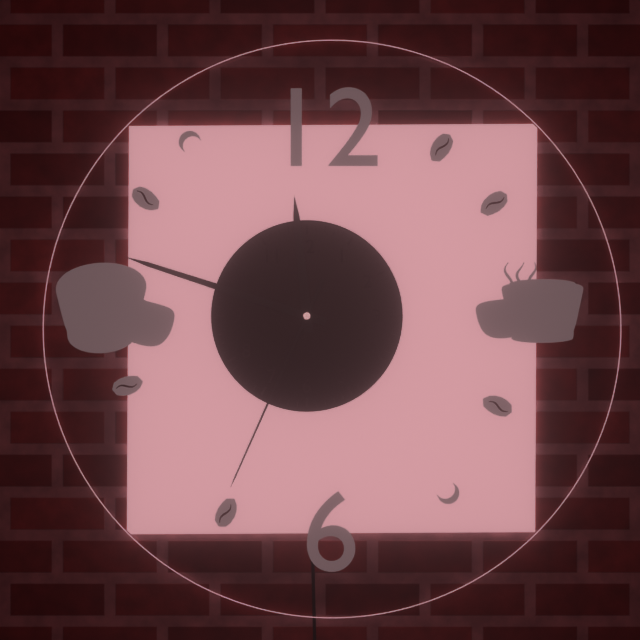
{"hour": 11, "minute": 48, "second": 34}
